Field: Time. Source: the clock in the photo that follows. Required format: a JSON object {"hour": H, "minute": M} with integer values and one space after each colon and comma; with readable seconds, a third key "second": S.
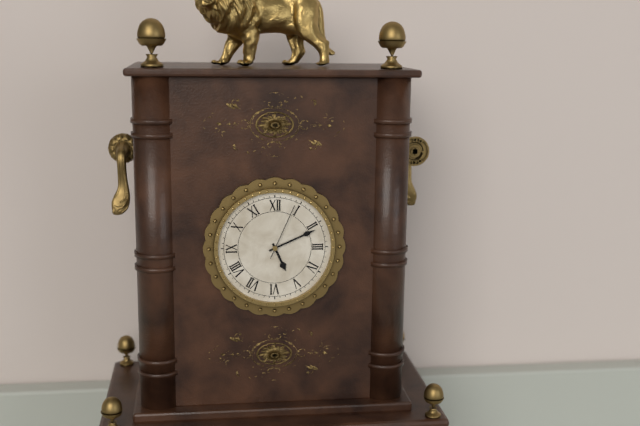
{"hour": 5, "minute": 11, "second": 4}
